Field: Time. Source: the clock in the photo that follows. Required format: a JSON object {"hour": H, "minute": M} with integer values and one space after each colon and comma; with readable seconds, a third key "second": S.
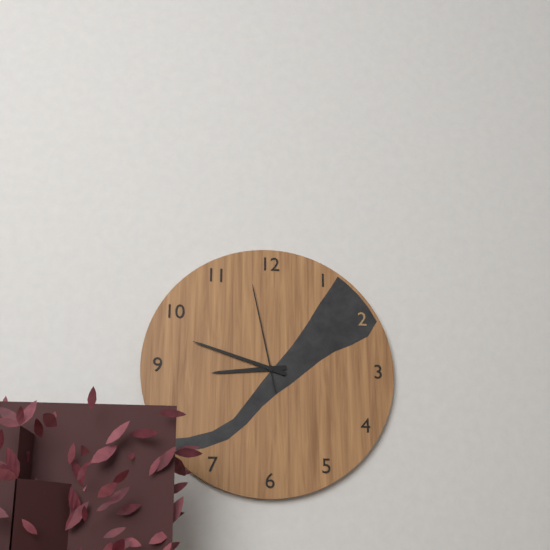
{"hour": 8, "minute": 48, "second": 58}
